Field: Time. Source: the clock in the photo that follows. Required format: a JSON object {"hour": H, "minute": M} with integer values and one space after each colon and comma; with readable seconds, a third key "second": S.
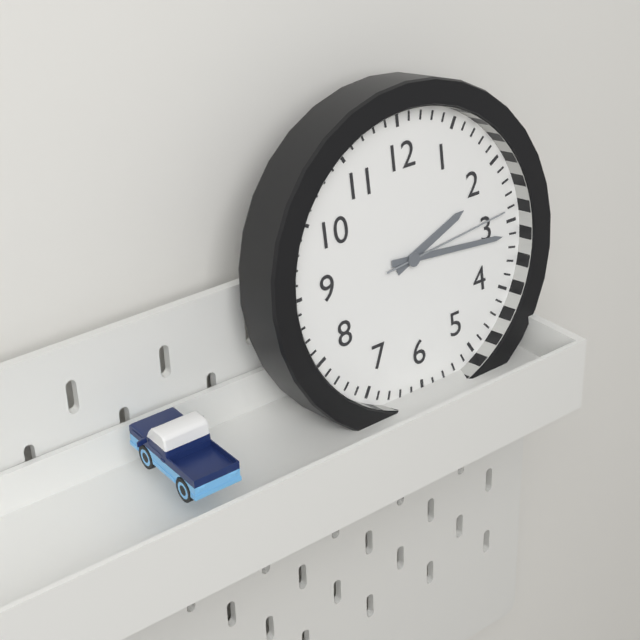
{"hour": 2, "minute": 16, "second": 14}
